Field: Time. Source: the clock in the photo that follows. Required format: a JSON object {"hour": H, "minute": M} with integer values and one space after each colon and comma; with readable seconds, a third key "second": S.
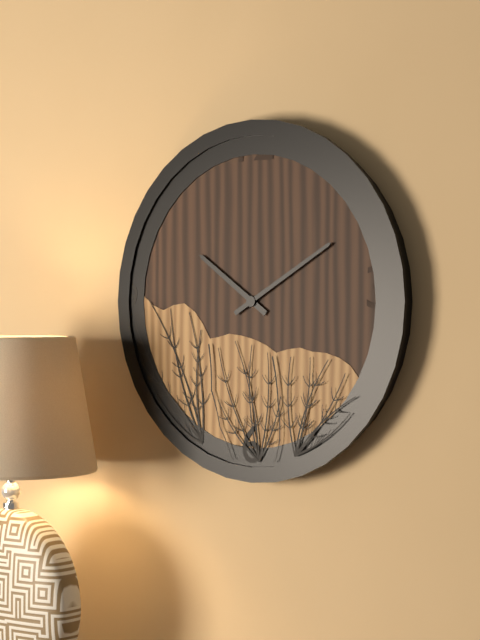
{"hour": 10, "minute": 10}
